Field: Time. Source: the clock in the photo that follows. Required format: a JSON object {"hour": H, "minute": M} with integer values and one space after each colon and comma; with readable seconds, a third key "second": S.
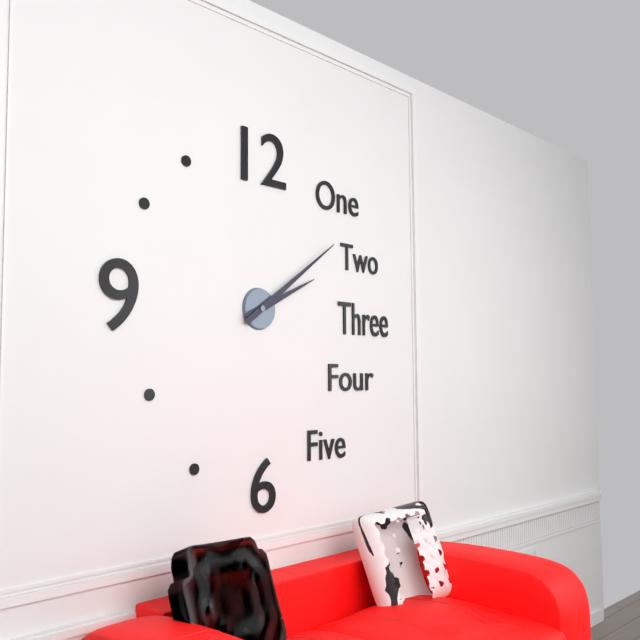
{"hour": 2, "minute": 9}
